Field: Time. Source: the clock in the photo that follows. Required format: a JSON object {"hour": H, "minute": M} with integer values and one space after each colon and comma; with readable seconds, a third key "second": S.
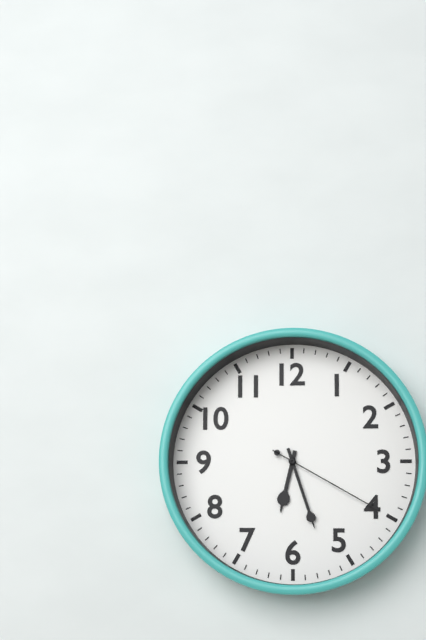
{"hour": 6, "minute": 27, "second": 20}
